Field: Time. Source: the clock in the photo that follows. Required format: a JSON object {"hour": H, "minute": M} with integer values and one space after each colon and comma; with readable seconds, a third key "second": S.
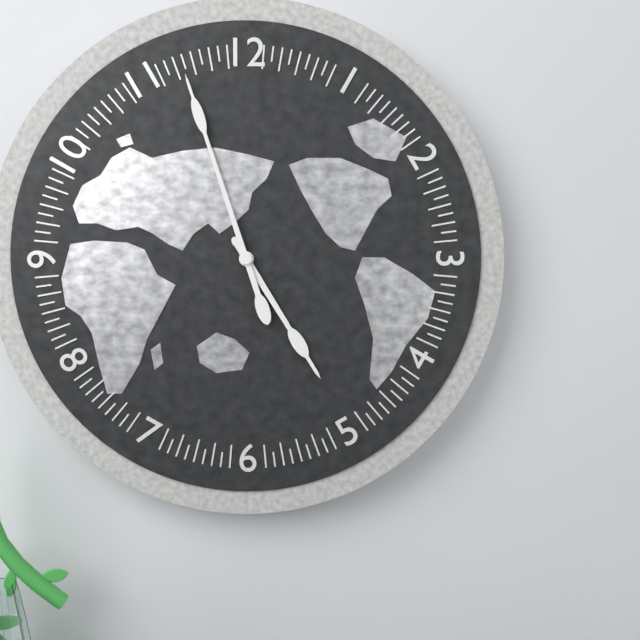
{"hour": 4, "minute": 57}
